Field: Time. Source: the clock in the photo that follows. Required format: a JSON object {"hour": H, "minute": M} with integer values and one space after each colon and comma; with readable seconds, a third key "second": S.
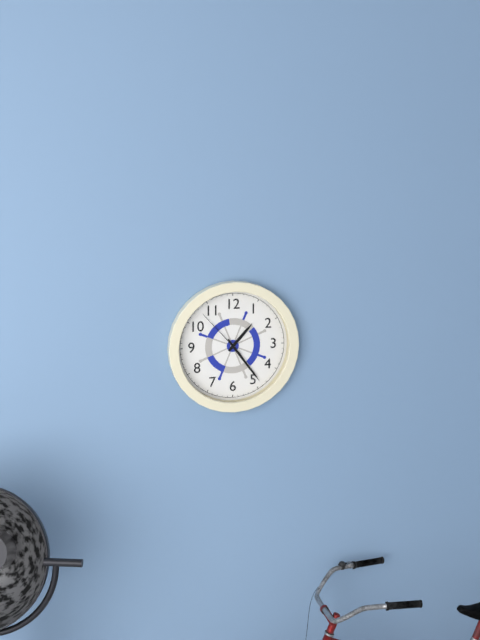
{"hour": 1, "minute": 24, "second": 53}
